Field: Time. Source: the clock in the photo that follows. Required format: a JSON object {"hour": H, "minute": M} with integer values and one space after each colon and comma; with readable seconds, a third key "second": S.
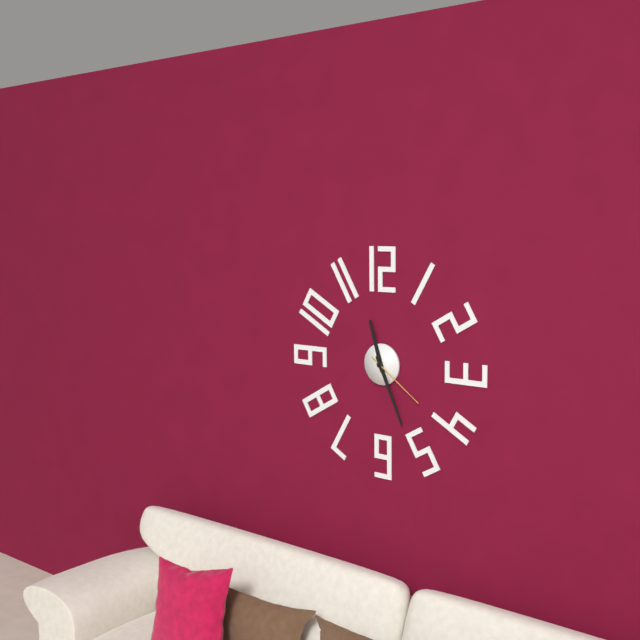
{"hour": 11, "minute": 26, "second": 21}
